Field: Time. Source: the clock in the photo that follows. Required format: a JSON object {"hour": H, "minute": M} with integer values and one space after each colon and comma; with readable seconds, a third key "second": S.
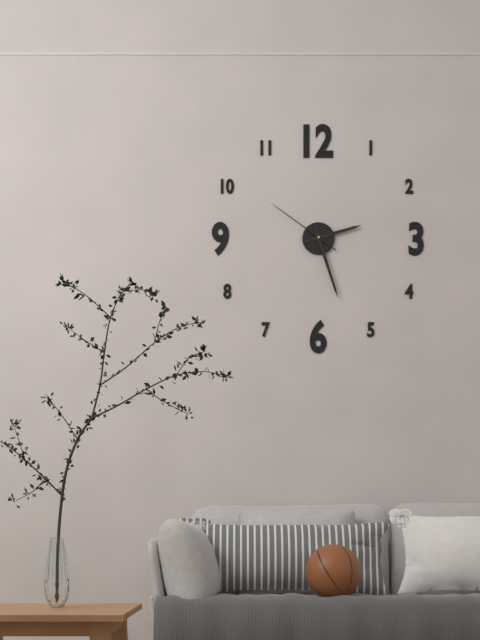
{"hour": 2, "minute": 27, "second": 51}
